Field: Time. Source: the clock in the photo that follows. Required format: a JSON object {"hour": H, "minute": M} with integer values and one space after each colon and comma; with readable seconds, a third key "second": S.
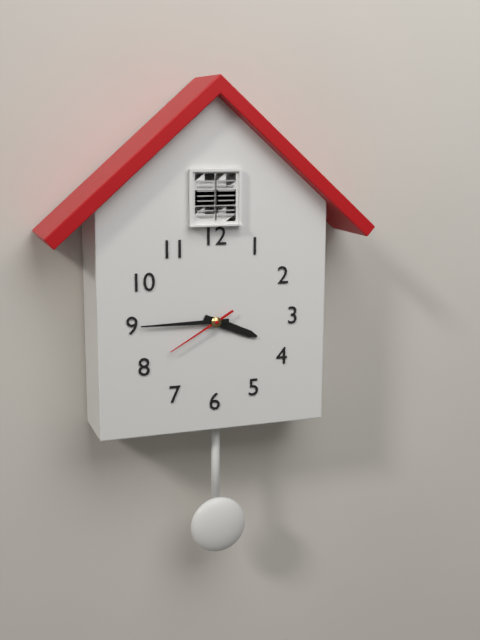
{"hour": 3, "minute": 45, "second": 40}
